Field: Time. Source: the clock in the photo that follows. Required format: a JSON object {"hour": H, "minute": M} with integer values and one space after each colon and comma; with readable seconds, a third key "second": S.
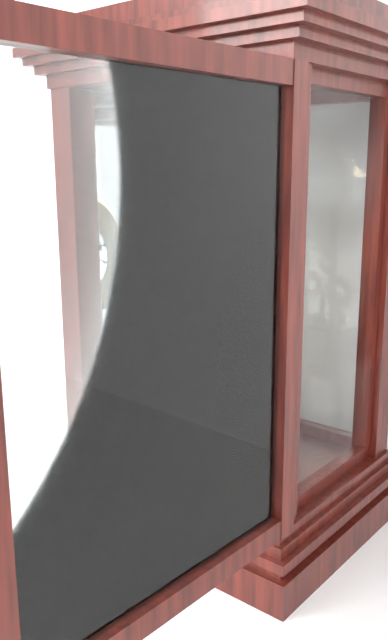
{"hour": 2, "minute": 17}
